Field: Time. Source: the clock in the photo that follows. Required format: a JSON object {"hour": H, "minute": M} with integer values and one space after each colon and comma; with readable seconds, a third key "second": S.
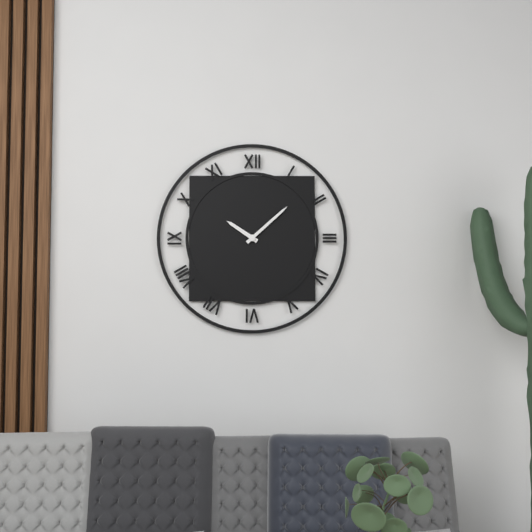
{"hour": 10, "minute": 8}
